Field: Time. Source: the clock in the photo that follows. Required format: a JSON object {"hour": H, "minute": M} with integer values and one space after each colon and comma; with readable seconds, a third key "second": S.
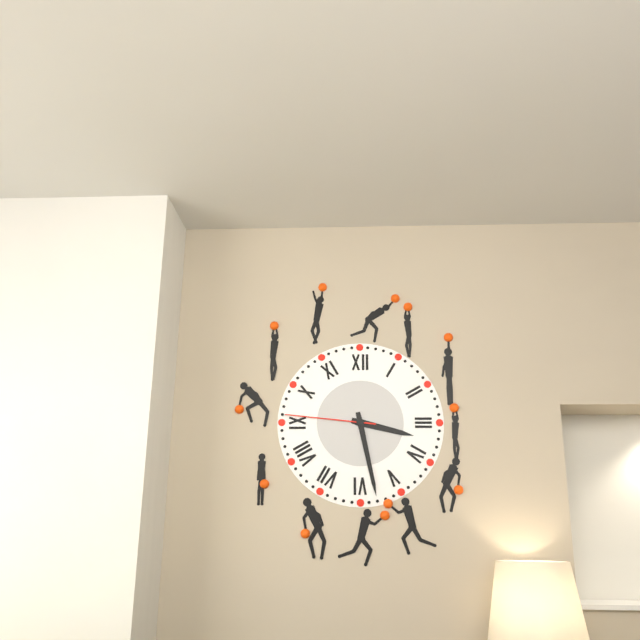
{"hour": 3, "minute": 28, "second": 46}
